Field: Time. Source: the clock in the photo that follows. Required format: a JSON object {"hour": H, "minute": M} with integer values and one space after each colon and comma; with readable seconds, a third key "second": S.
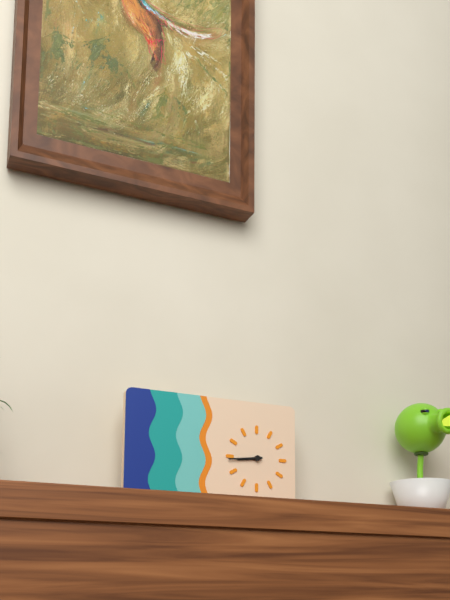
{"hour": 8, "minute": 44}
